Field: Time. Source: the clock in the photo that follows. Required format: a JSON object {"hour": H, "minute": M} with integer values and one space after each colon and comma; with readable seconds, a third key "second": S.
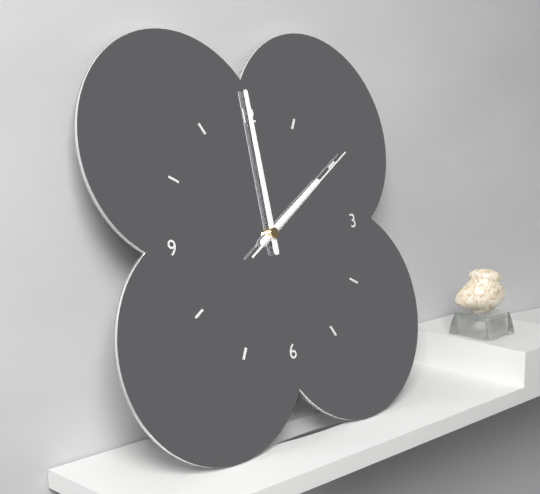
{"hour": 2, "minute": 0, "second": 10}
